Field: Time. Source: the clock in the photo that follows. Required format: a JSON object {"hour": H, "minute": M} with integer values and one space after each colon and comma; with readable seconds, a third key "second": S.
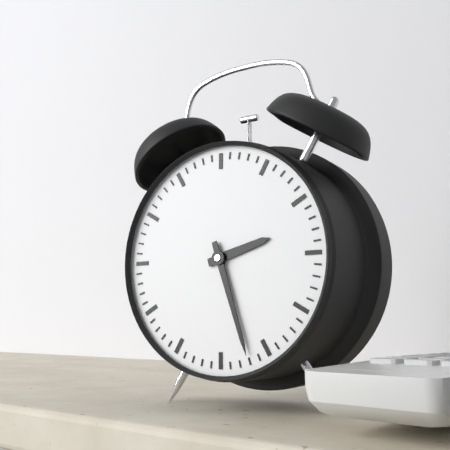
{"hour": 2, "minute": 27}
